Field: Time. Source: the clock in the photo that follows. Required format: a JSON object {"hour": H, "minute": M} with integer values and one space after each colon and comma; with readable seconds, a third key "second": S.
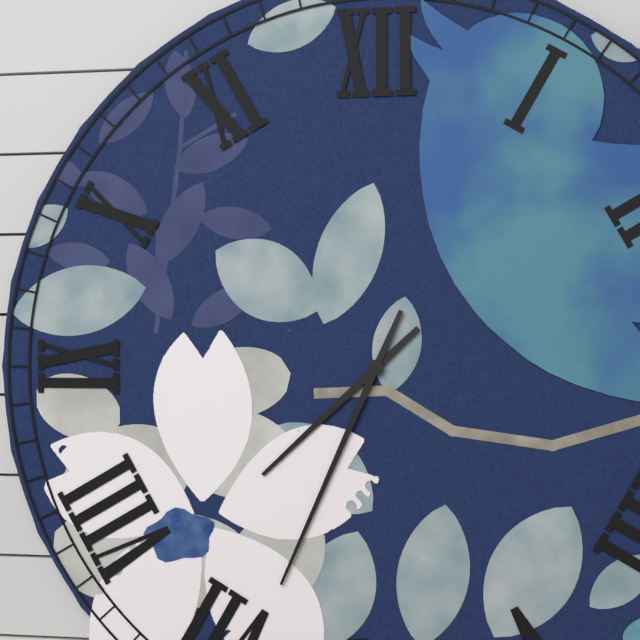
{"hour": 7, "minute": 34}
